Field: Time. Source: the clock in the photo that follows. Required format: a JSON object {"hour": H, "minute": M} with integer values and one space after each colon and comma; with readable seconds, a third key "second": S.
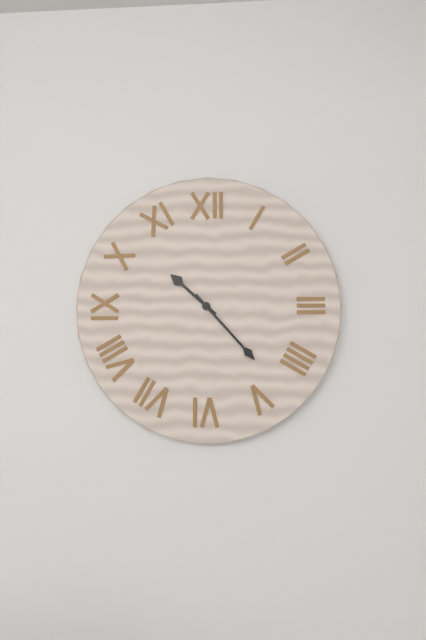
{"hour": 10, "minute": 23}
